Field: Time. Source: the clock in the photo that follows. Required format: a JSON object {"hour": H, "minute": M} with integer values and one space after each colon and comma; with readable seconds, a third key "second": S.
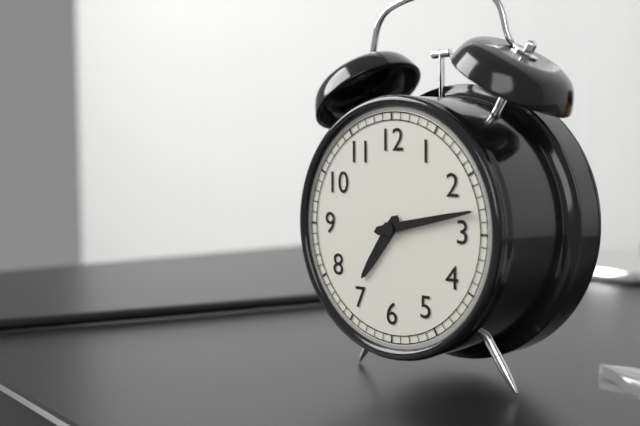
{"hour": 7, "minute": 13}
